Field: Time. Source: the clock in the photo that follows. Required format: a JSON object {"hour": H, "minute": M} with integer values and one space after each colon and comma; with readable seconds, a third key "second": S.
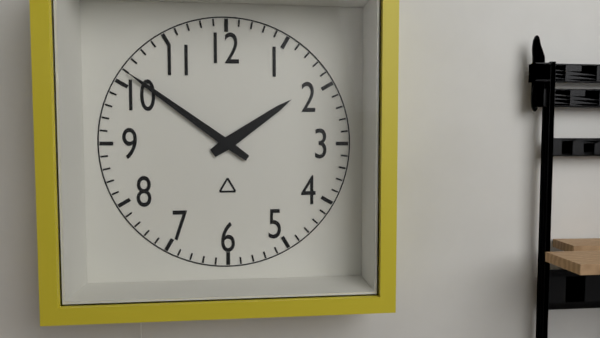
{"hour": 1, "minute": 51}
